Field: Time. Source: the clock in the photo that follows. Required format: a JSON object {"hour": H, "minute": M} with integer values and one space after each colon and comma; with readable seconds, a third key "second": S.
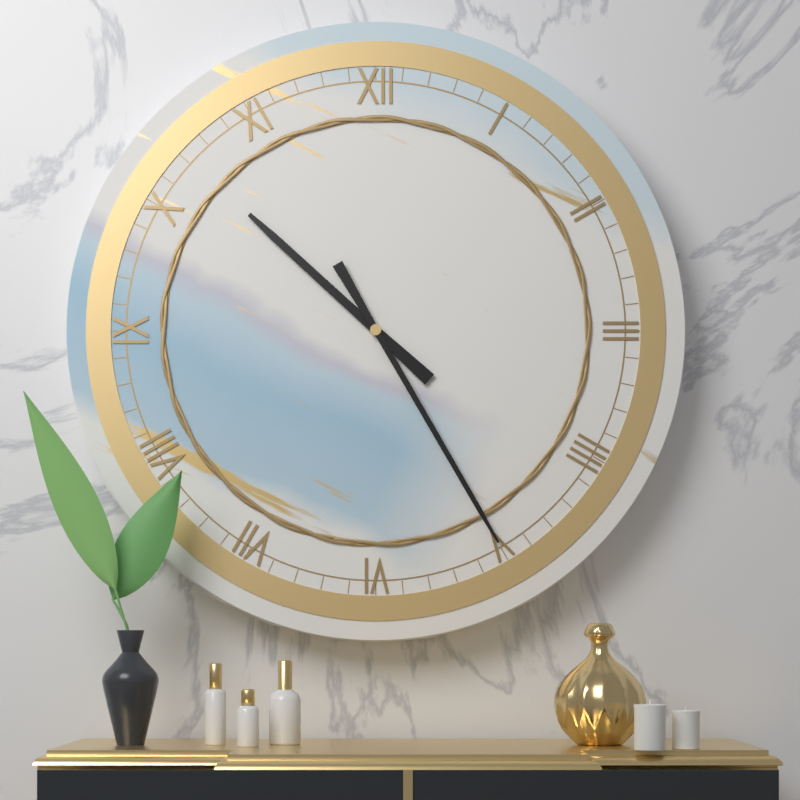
{"hour": 10, "minute": 25}
